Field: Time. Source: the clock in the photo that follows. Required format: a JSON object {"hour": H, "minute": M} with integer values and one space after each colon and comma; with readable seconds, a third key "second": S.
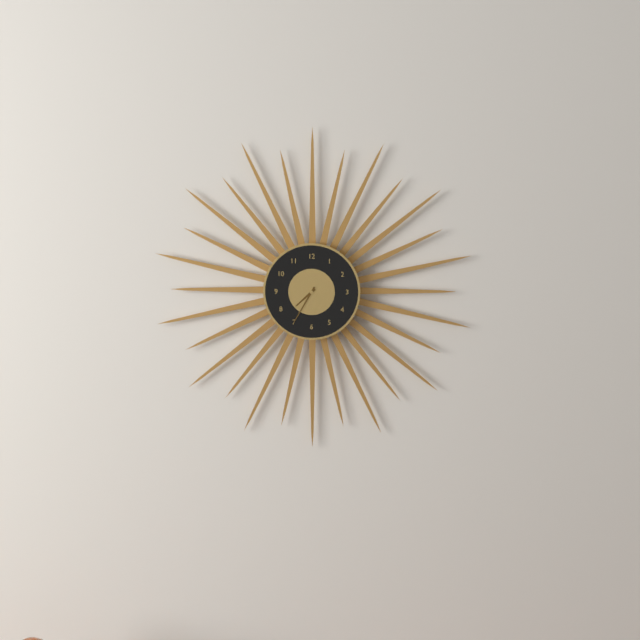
{"hour": 7, "minute": 35}
